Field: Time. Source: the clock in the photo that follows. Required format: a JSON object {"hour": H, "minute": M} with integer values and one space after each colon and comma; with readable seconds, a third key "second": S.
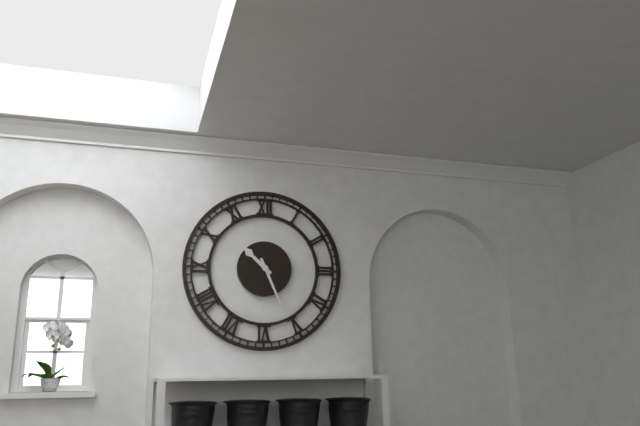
{"hour": 10, "minute": 26}
